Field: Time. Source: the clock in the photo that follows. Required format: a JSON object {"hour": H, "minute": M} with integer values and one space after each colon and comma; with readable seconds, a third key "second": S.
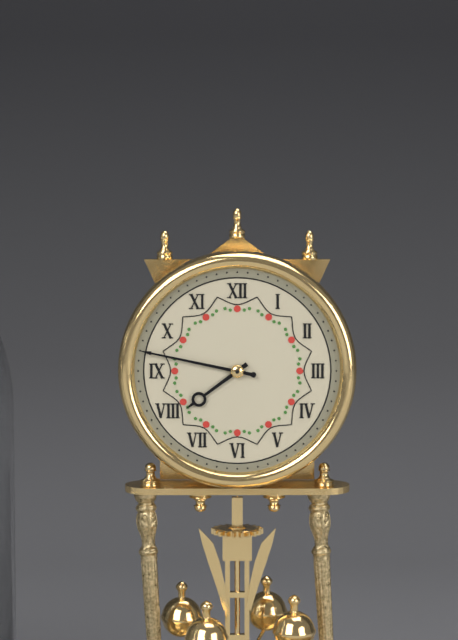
{"hour": 7, "minute": 47}
